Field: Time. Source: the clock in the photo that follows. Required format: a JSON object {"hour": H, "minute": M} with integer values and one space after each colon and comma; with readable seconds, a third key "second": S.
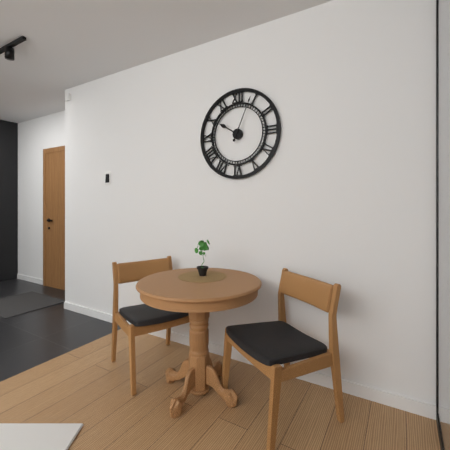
{"hour": 10, "minute": 4}
